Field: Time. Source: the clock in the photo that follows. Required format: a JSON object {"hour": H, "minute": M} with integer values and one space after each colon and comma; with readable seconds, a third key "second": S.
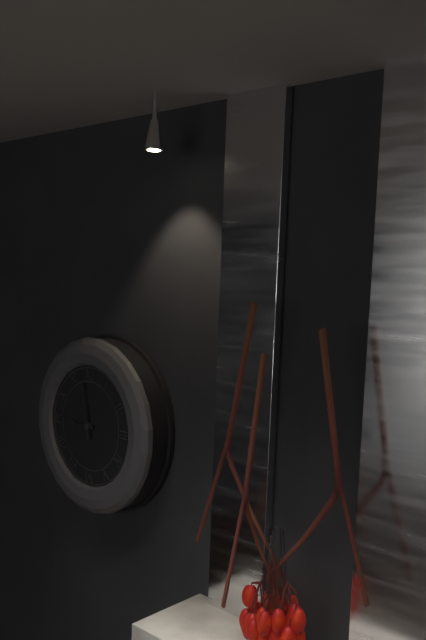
{"hour": 8, "minute": 58}
